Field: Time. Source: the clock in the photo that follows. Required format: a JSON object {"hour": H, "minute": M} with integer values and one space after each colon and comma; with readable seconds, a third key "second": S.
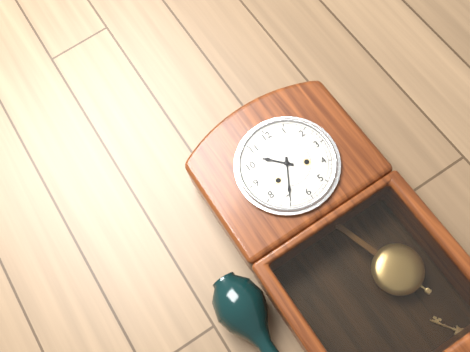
{"hour": 10, "minute": 35}
